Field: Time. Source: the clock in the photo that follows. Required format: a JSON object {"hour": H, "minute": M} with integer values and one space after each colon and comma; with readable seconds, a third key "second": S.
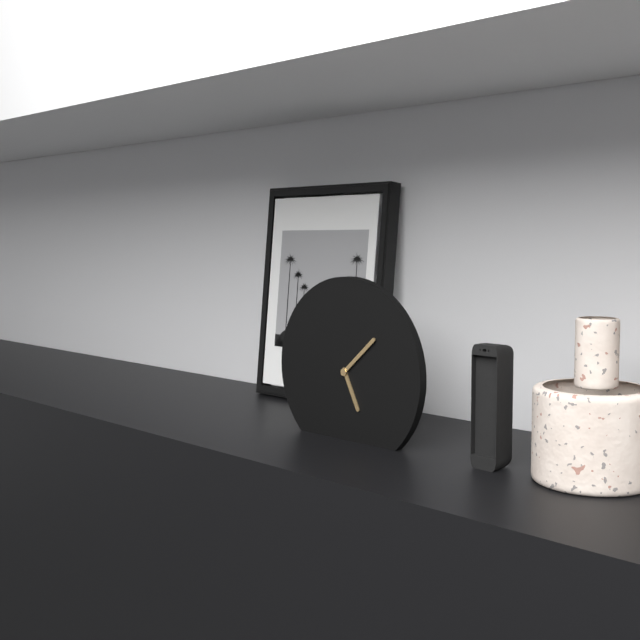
{"hour": 5, "minute": 8}
